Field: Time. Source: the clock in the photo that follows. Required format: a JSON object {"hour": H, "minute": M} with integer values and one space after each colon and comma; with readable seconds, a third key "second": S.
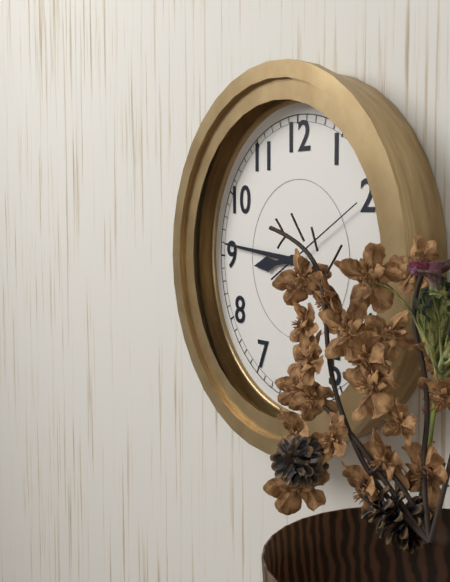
{"hour": 8, "minute": 46, "second": 10}
